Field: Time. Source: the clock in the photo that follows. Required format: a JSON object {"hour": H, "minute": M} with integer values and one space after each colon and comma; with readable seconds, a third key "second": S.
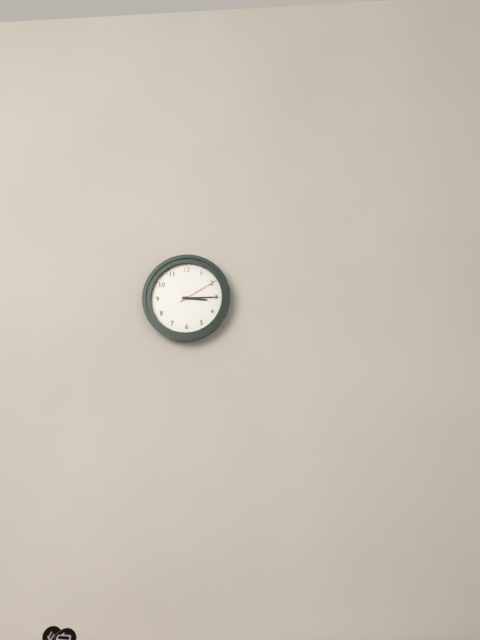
{"hour": 3, "minute": 15}
